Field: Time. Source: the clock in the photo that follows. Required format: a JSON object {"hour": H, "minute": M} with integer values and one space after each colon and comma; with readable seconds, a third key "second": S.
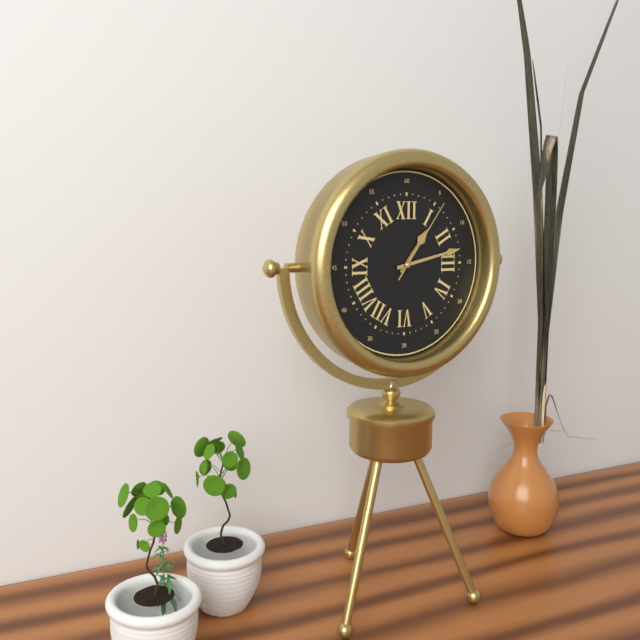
{"hour": 1, "minute": 13, "second": 6}
